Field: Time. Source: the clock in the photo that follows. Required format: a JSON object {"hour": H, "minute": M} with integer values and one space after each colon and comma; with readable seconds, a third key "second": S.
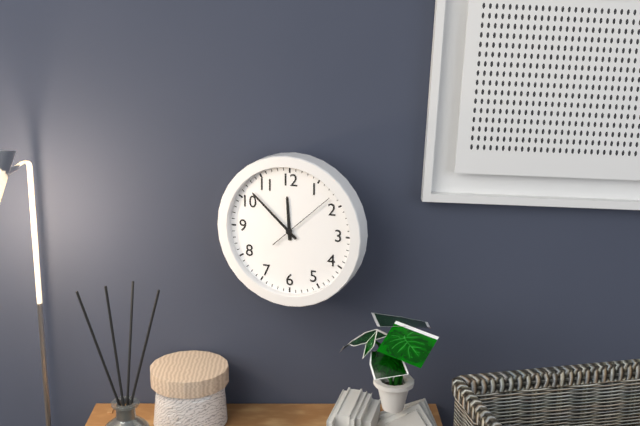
{"hour": 11, "minute": 52, "second": 8}
